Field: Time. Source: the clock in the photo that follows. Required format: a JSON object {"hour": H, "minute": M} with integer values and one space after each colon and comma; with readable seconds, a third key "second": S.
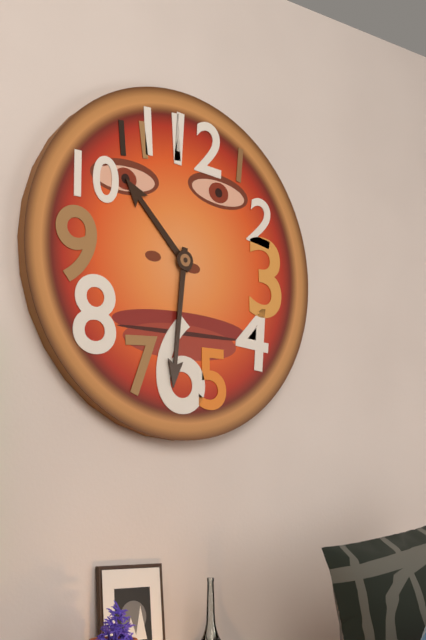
{"hour": 10, "minute": 31}
